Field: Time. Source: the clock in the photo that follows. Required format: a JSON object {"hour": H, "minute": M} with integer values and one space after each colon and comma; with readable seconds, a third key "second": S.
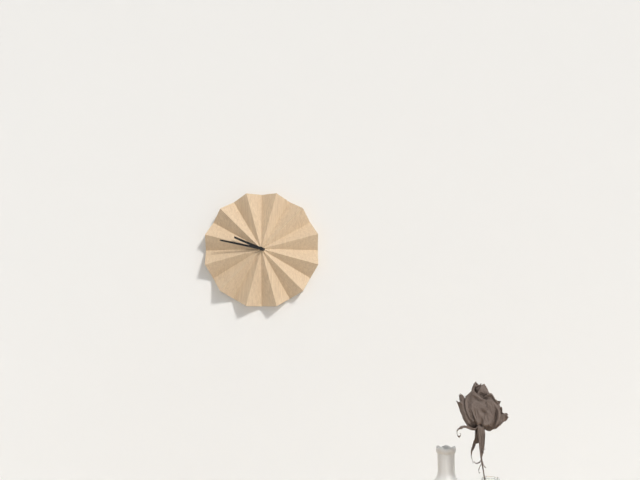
{"hour": 9, "minute": 47}
